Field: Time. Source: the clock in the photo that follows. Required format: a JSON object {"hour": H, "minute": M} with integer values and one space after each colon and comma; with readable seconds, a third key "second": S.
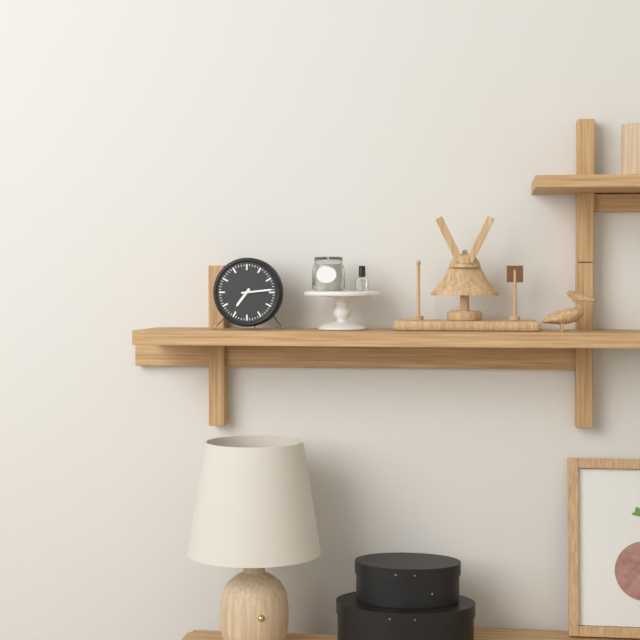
{"hour": 7, "minute": 14}
